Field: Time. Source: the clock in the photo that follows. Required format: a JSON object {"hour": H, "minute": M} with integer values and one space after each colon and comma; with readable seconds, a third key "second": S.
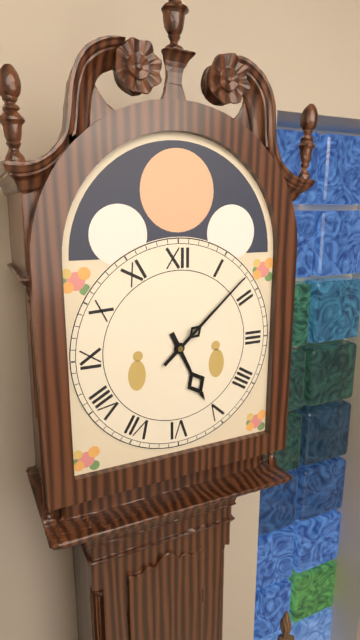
{"hour": 5, "minute": 8}
